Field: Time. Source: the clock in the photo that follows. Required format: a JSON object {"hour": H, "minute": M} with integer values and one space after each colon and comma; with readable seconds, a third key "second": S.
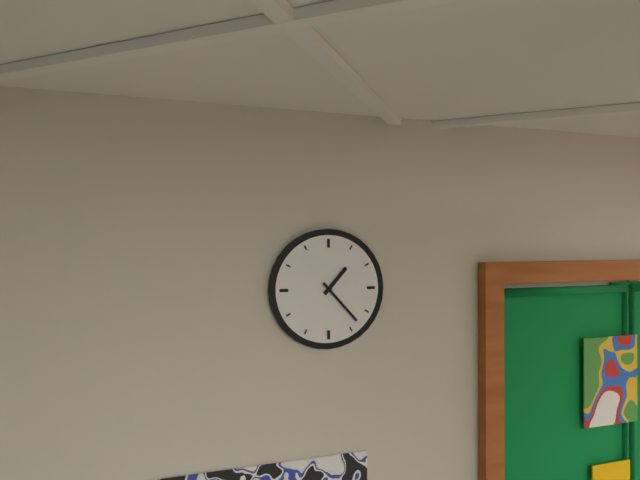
{"hour": 1, "minute": 23}
